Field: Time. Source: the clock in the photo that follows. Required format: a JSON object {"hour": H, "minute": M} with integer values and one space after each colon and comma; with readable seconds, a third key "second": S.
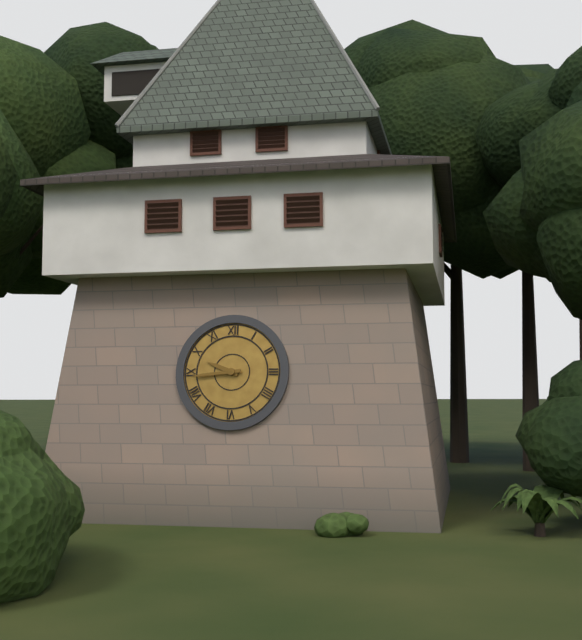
{"hour": 9, "minute": 44}
